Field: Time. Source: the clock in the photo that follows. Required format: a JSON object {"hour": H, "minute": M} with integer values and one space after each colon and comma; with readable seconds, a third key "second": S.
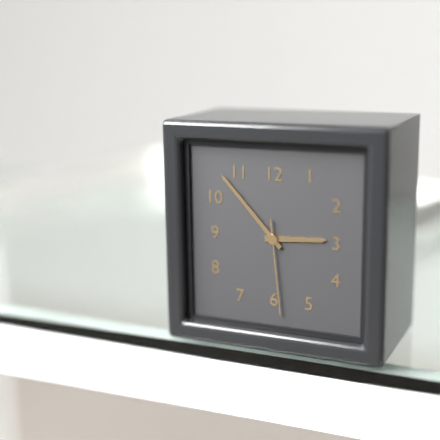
{"hour": 2, "minute": 53, "second": 29}
